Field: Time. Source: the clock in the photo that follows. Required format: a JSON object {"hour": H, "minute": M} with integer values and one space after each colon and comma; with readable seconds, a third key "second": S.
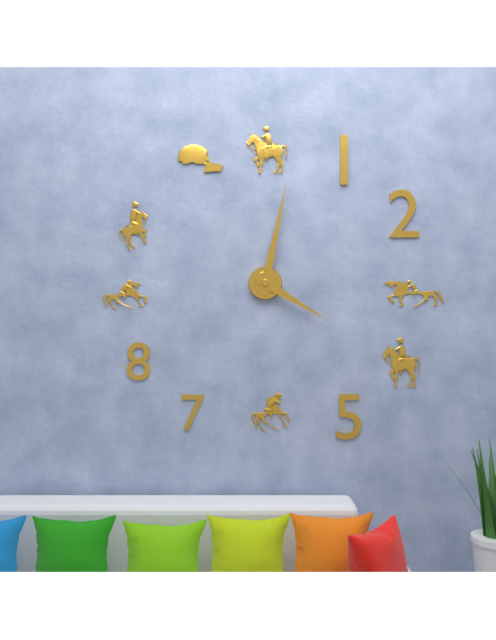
{"hour": 4, "minute": 2}
